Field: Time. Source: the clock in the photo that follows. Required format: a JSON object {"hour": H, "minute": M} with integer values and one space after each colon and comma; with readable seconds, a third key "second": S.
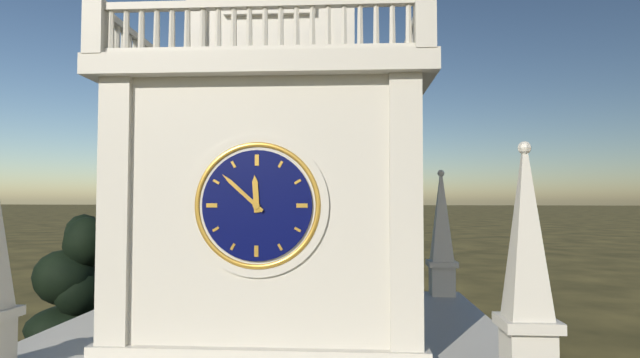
{"hour": 11, "minute": 52}
